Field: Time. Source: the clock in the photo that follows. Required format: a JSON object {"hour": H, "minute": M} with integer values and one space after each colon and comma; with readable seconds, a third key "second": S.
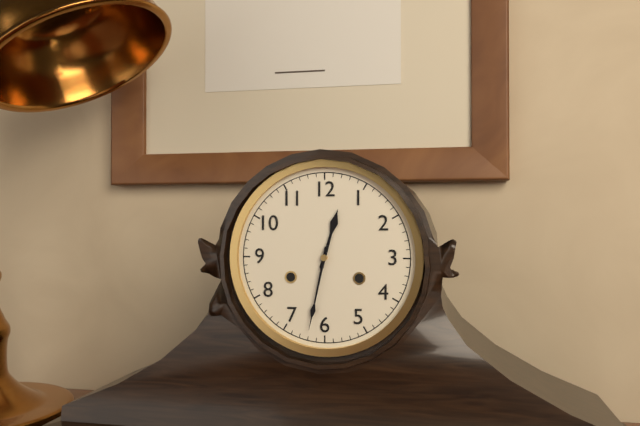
{"hour": 12, "minute": 32}
